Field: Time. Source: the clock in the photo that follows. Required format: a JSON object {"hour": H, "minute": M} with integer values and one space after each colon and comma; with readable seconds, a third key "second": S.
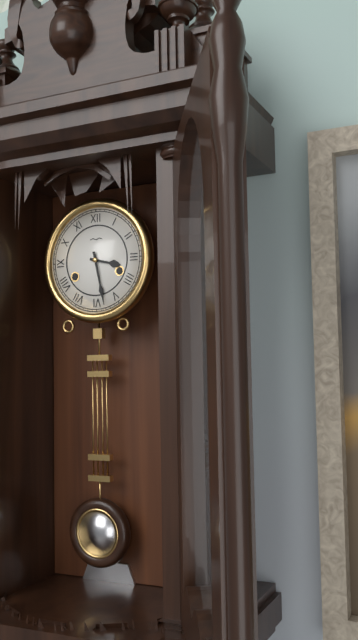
{"hour": 3, "minute": 28}
